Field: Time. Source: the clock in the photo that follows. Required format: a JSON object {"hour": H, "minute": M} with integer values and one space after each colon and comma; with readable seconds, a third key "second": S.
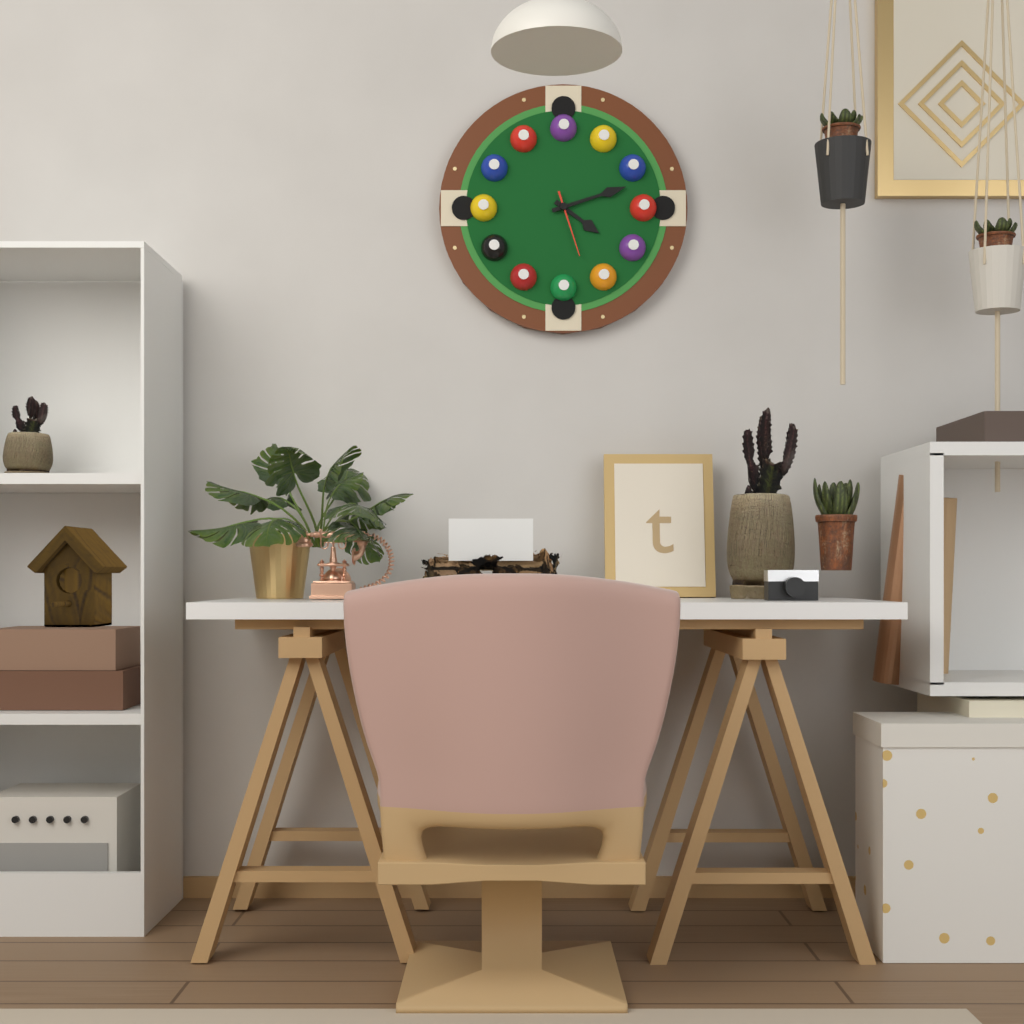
{"hour": 4, "minute": 12, "second": 27}
